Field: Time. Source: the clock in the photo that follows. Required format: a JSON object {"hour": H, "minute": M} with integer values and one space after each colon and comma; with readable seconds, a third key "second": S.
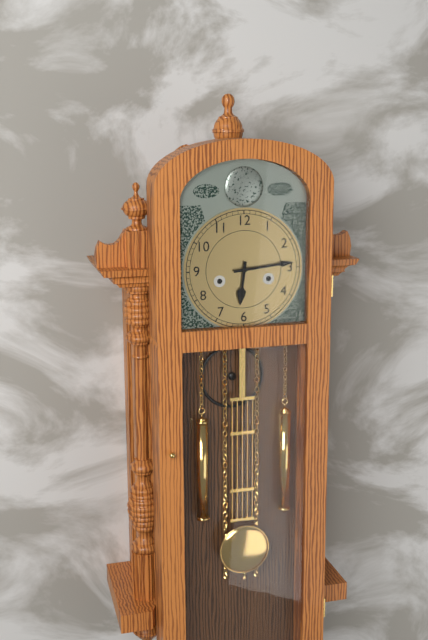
{"hour": 6, "minute": 14}
